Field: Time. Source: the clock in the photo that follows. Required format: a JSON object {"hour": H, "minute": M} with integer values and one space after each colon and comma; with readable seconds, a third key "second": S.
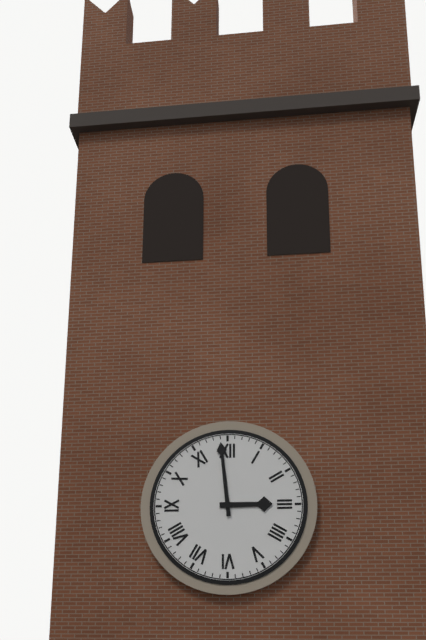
{"hour": 2, "minute": 59}
